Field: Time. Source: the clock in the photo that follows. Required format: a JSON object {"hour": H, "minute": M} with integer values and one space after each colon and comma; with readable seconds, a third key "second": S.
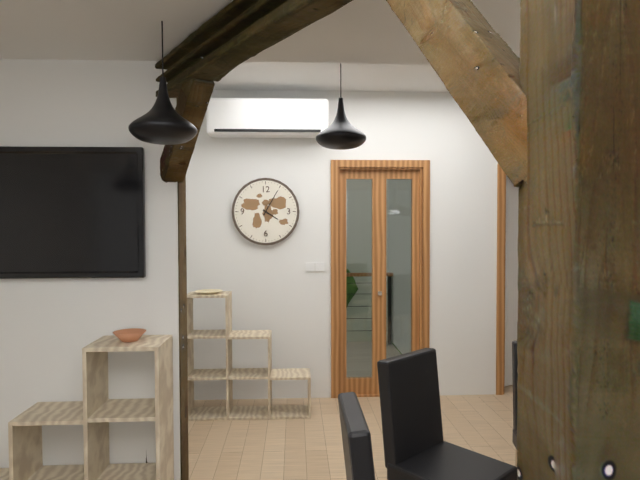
{"hour": 4, "minute": 5}
